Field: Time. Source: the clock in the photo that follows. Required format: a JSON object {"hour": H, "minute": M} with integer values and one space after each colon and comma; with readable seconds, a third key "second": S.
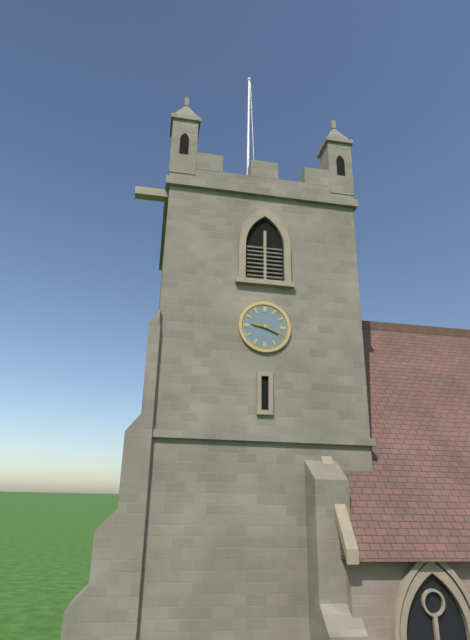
{"hour": 9, "minute": 19}
